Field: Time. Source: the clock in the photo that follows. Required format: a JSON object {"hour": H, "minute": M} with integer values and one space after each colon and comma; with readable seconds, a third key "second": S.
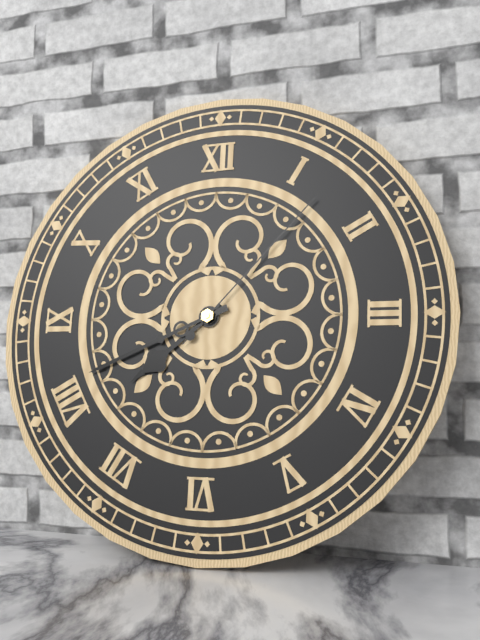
{"hour": 7, "minute": 41, "second": 7}
